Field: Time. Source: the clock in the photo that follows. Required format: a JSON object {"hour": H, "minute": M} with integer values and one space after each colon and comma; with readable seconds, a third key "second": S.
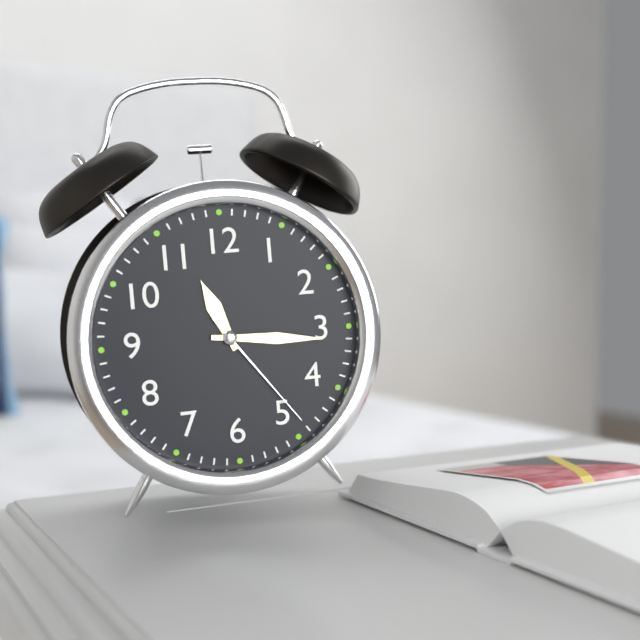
{"hour": 11, "minute": 16, "second": 24}
